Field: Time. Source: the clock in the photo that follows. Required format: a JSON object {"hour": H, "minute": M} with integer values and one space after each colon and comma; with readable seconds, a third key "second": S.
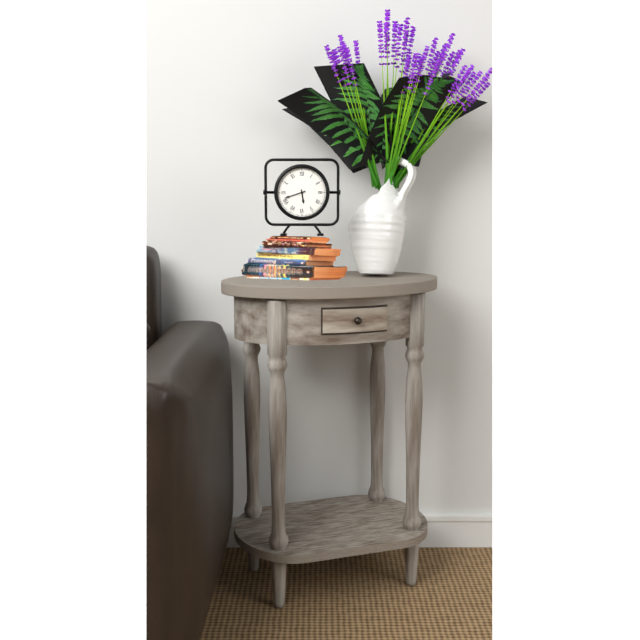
{"hour": 5, "minute": 42}
